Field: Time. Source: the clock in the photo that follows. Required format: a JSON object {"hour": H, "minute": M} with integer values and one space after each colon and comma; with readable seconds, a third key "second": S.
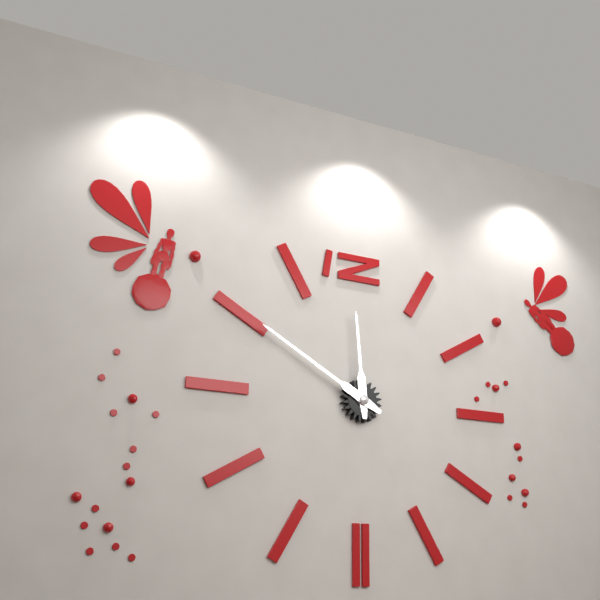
{"hour": 11, "minute": 50}
